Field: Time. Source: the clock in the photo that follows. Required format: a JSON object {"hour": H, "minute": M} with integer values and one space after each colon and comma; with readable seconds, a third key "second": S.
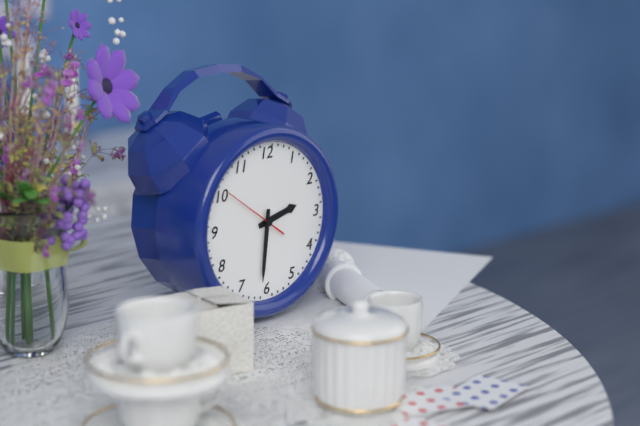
{"hour": 2, "minute": 31, "second": 51}
